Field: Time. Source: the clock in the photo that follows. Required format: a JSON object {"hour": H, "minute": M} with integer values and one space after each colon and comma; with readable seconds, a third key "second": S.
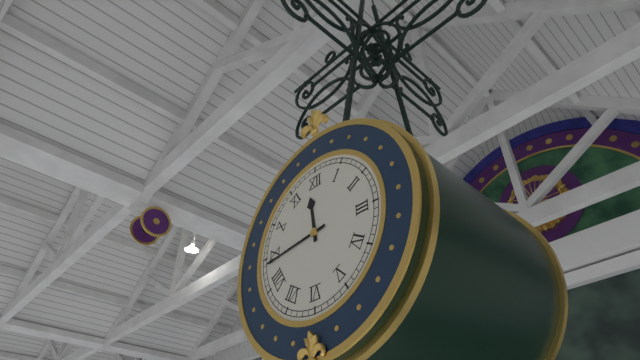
{"hour": 11, "minute": 44}
